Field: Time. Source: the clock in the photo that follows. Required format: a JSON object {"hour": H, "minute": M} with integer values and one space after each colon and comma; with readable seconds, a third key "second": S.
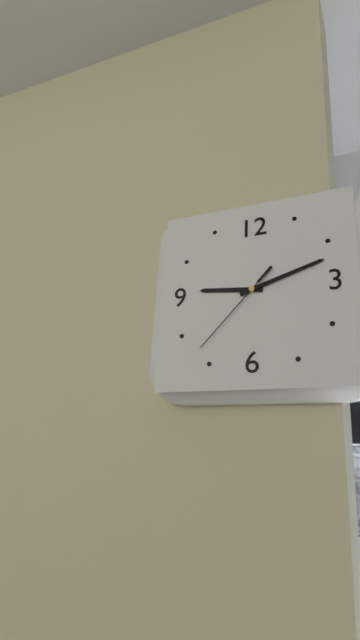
{"hour": 9, "minute": 12, "second": 37}
